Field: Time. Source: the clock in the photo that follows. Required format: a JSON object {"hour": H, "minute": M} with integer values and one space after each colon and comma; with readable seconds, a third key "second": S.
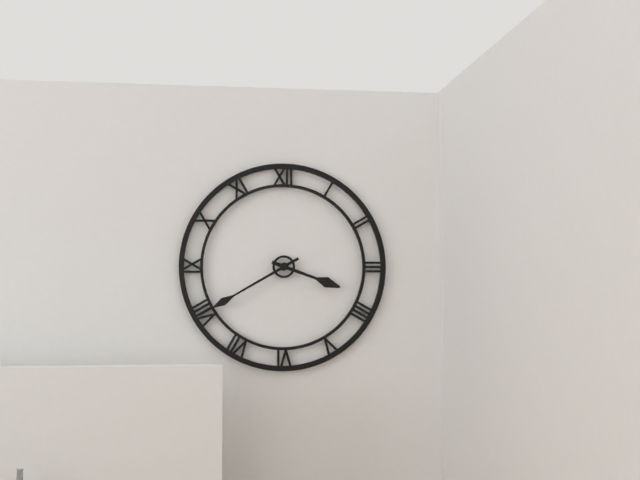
{"hour": 3, "minute": 40}
